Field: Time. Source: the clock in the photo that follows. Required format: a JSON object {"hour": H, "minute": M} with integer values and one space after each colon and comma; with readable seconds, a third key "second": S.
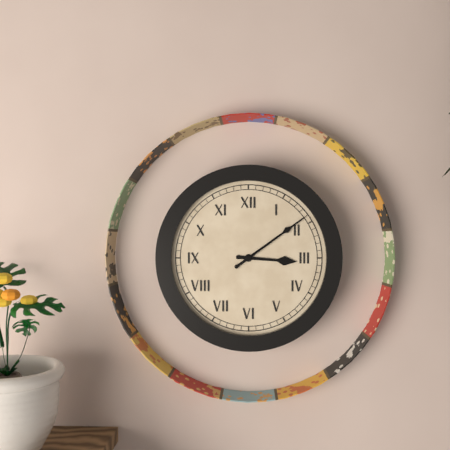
{"hour": 3, "minute": 9}
